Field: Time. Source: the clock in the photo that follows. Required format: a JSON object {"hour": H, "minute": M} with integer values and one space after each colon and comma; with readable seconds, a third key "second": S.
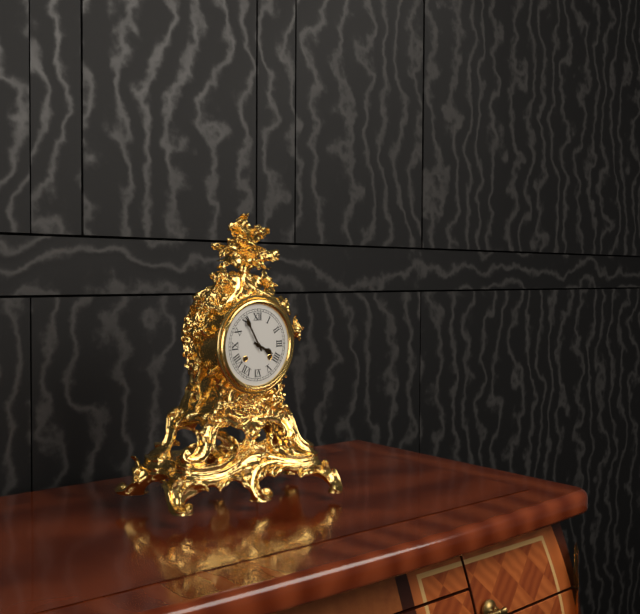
{"hour": 3, "minute": 55}
